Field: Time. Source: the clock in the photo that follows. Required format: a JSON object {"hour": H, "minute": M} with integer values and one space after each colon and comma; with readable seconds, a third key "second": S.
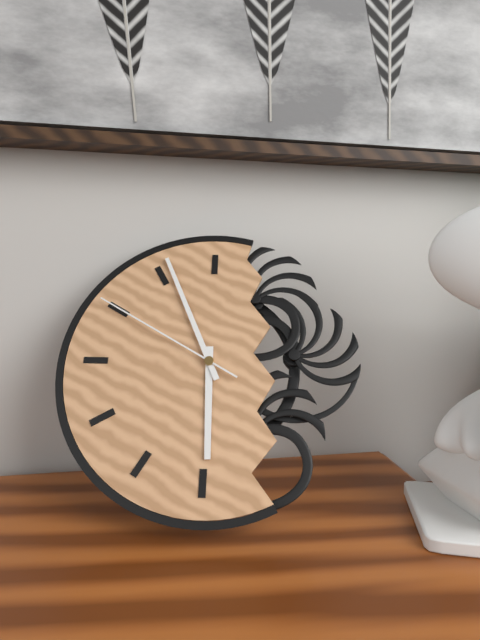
{"hour": 5, "minute": 56, "second": 50}
